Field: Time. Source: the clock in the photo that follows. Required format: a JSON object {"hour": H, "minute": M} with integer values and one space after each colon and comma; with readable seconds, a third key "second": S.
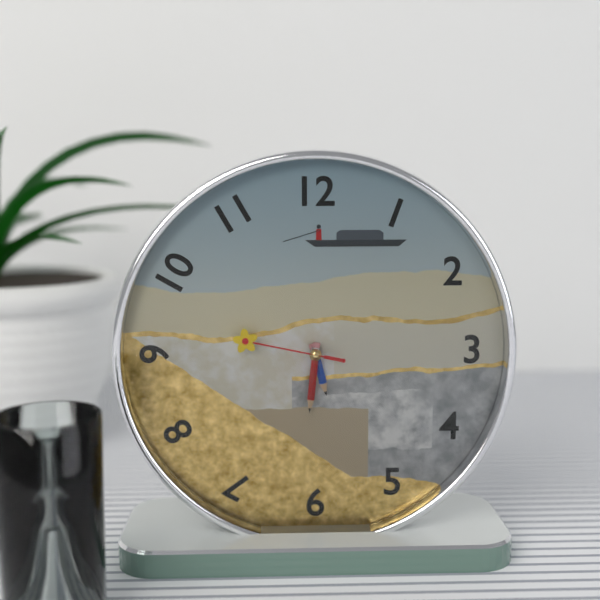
{"hour": 5, "minute": 31, "second": 47}
